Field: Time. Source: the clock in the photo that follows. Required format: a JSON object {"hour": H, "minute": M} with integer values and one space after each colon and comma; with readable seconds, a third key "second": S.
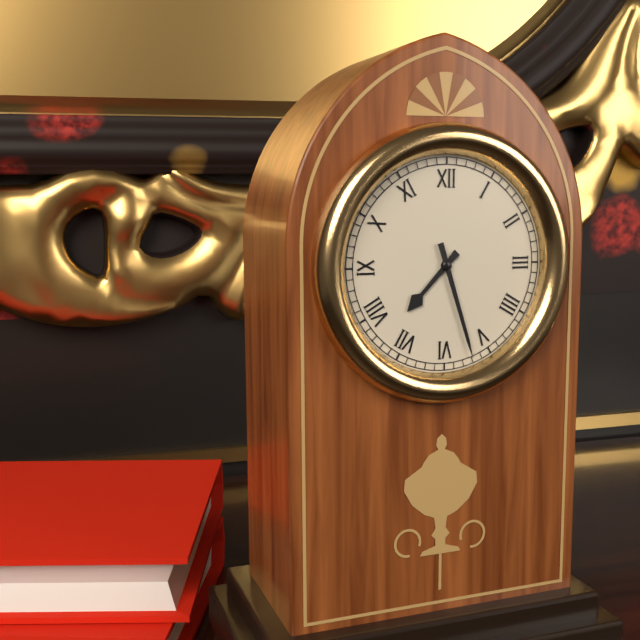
{"hour": 7, "minute": 27}
